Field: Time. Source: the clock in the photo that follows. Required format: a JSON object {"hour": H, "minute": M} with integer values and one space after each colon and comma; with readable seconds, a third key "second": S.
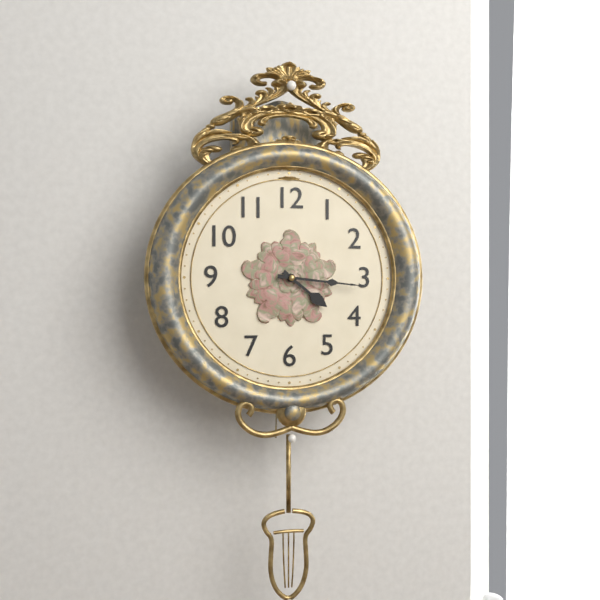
{"hour": 4, "minute": 16}
